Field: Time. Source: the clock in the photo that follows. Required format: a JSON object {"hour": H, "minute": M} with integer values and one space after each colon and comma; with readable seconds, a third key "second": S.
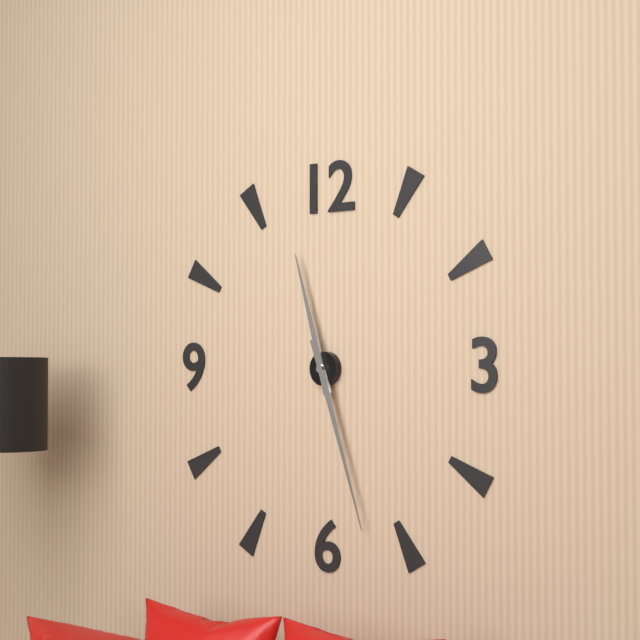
{"hour": 11, "minute": 27}
